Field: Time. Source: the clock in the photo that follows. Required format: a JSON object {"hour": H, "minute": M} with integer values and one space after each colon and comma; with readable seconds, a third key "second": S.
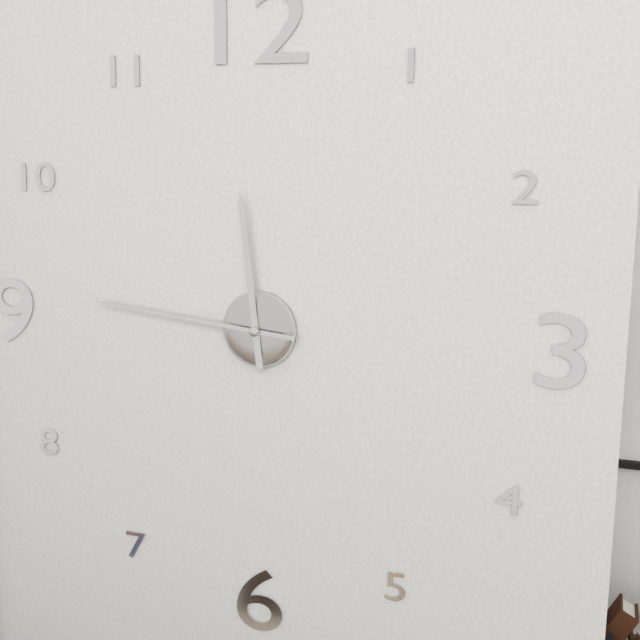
{"hour": 11, "minute": 46}
